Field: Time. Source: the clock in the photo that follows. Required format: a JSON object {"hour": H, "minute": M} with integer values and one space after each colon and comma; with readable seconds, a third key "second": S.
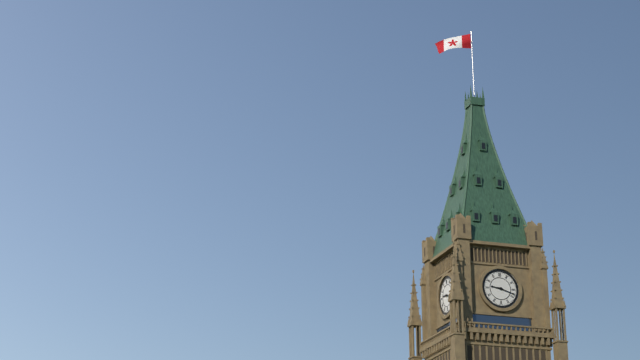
{"hour": 9, "minute": 18}
